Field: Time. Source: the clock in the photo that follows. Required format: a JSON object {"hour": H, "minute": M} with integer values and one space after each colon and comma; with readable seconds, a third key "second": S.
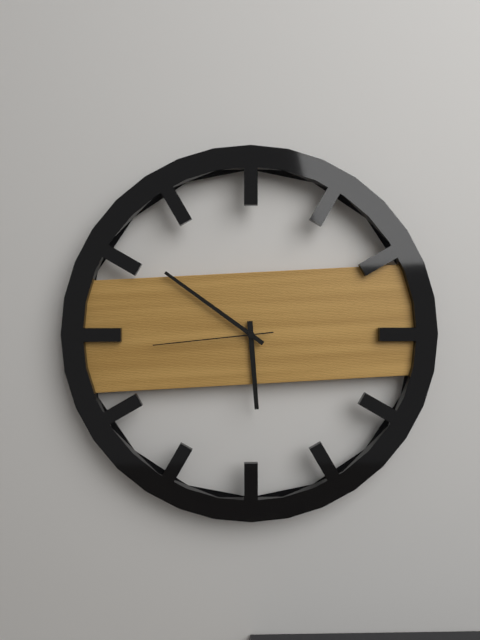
{"hour": 5, "minute": 51, "second": 44}
